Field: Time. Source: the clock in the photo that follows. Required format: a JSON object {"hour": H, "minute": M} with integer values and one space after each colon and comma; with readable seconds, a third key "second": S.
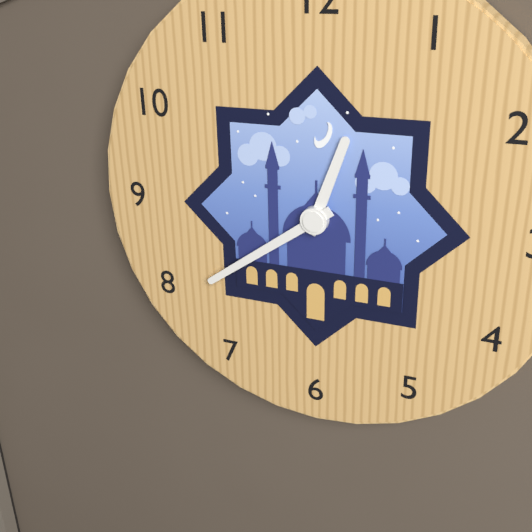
{"hour": 12, "minute": 39}
